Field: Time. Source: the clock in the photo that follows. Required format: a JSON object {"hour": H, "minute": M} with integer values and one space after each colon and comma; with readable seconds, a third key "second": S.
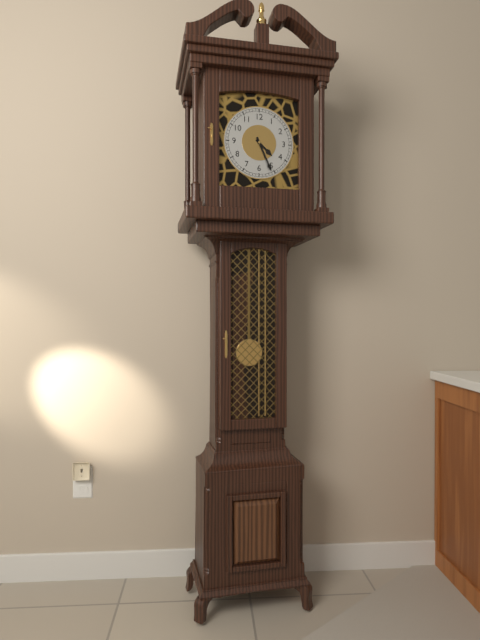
{"hour": 4, "minute": 26}
